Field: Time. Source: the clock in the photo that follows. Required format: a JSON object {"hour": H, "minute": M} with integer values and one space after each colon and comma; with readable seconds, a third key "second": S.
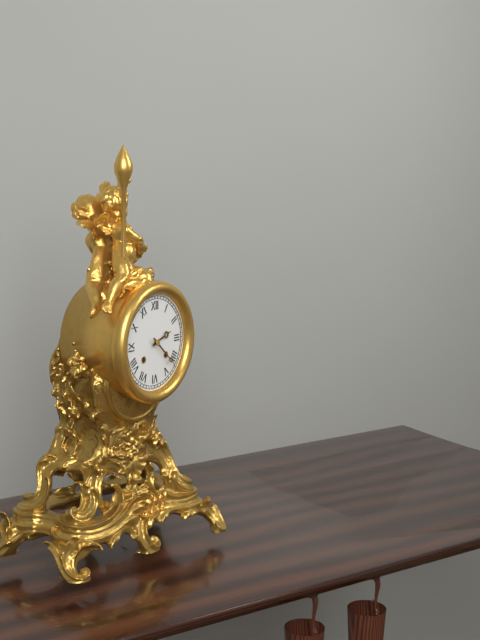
{"hour": 2, "minute": 22}
